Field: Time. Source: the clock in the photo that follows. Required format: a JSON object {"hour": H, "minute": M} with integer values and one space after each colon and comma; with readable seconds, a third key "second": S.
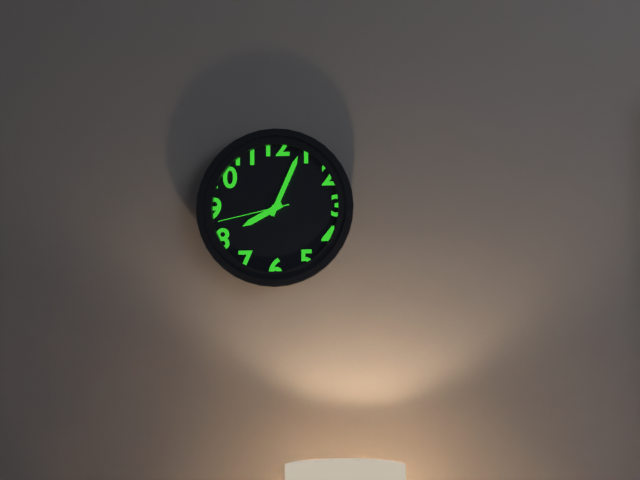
{"hour": 8, "minute": 4, "second": 43}
